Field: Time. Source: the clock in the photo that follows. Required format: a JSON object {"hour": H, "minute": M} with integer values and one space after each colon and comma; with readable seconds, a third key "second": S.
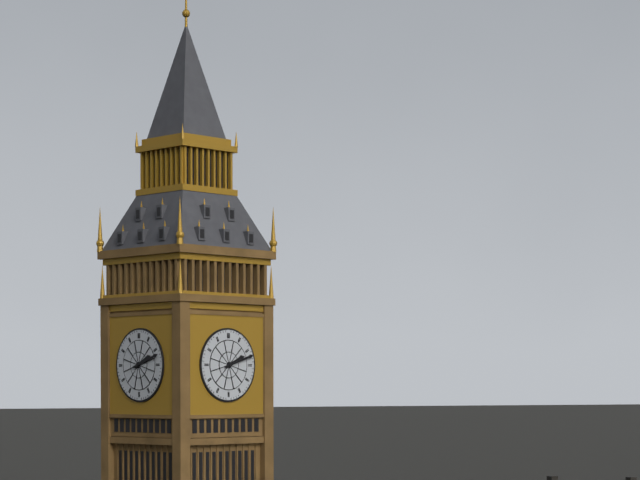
{"hour": 2, "minute": 12}
